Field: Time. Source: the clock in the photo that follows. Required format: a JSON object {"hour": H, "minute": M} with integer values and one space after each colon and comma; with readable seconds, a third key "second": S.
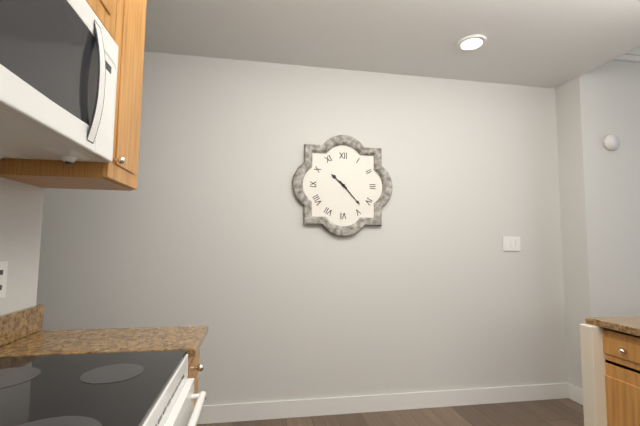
{"hour": 10, "minute": 23}
